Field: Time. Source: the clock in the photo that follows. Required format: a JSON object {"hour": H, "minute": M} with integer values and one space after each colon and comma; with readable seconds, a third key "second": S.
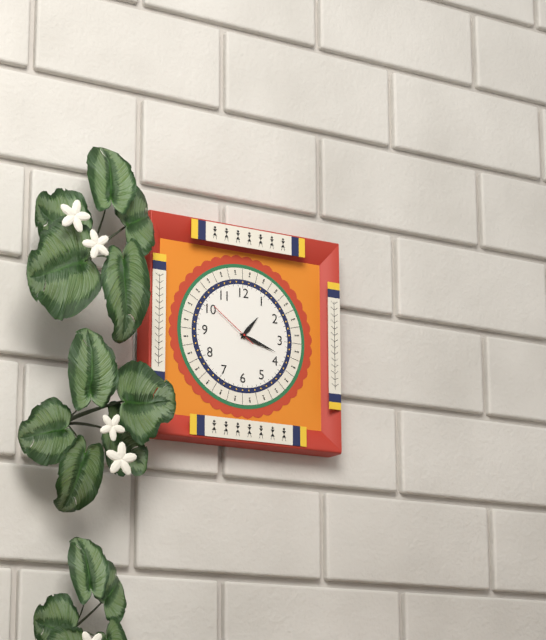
{"hour": 1, "minute": 18, "second": 51}
